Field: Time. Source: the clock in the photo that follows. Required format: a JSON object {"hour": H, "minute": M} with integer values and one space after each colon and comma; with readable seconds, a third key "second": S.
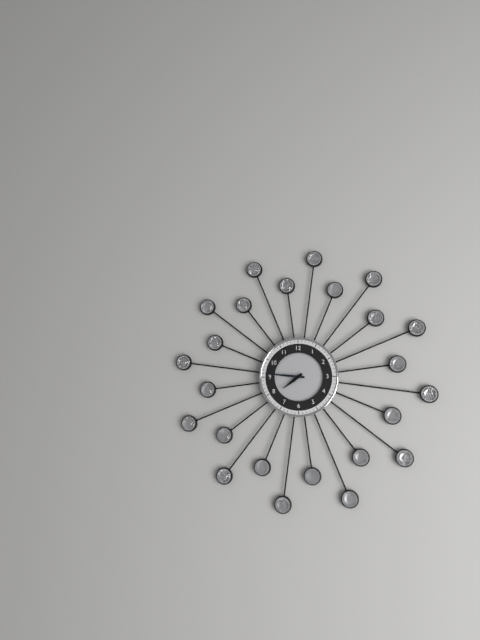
{"hour": 7, "minute": 46}
